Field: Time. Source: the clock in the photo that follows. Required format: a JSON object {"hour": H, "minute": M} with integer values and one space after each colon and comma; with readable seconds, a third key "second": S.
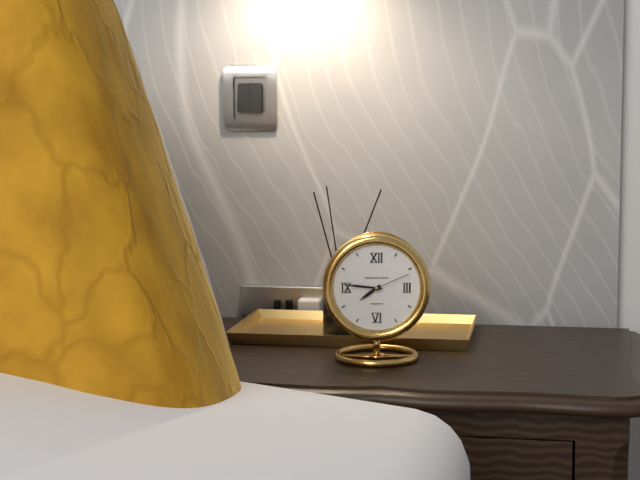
{"hour": 7, "minute": 46}
